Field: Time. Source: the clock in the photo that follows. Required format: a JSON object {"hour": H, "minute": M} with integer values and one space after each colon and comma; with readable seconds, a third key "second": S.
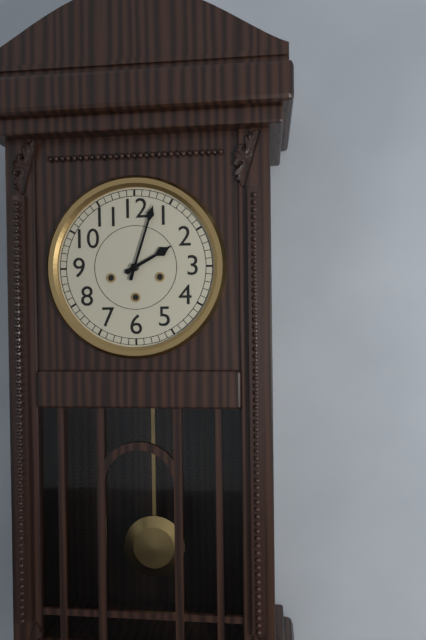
{"hour": 2, "minute": 3}
